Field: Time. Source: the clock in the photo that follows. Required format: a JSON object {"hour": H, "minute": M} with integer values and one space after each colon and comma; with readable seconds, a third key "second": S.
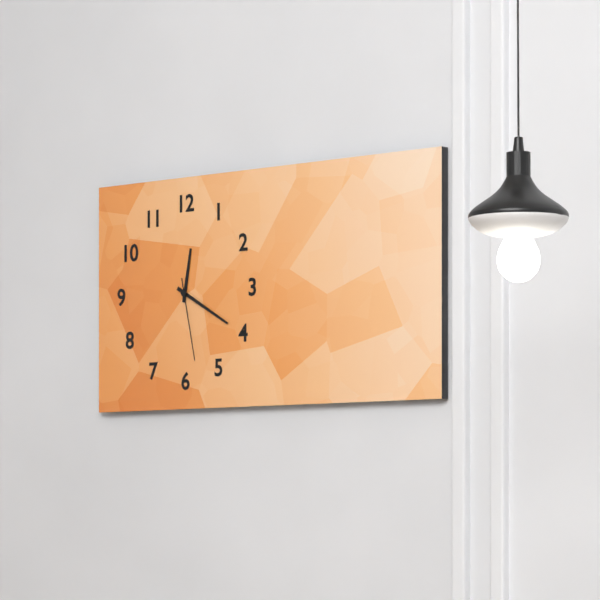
{"hour": 12, "minute": 20, "second": 28}
